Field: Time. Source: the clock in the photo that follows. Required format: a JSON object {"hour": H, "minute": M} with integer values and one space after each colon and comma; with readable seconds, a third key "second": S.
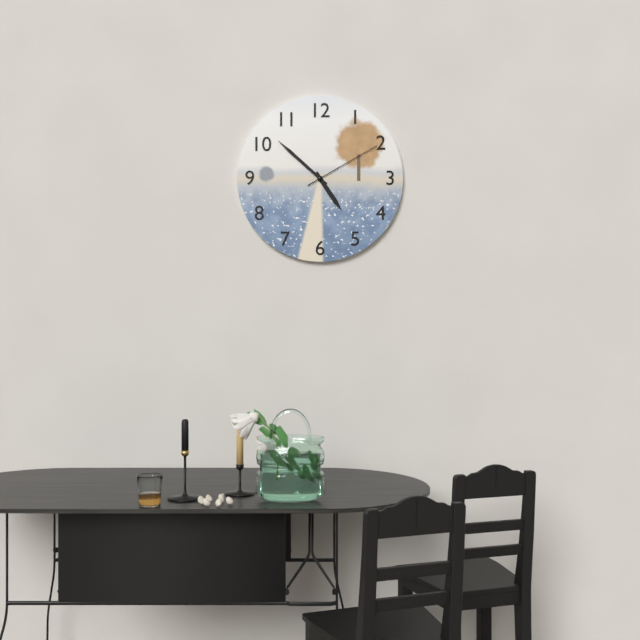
{"hour": 4, "minute": 52, "second": 10}
